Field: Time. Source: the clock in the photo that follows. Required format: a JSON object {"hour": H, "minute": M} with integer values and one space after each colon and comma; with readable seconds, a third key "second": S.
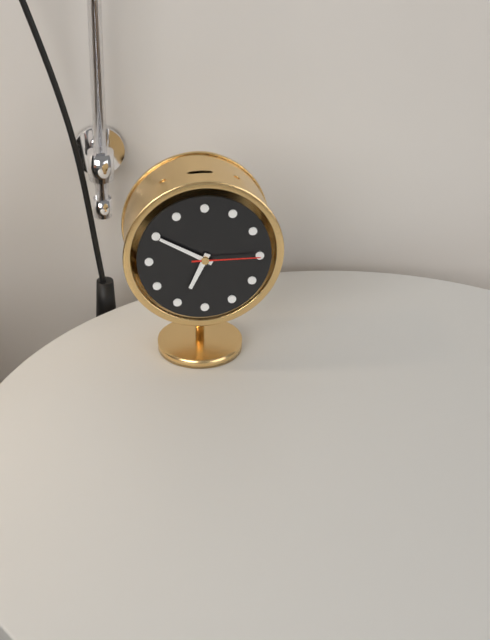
{"hour": 6, "minute": 50, "second": 15}
